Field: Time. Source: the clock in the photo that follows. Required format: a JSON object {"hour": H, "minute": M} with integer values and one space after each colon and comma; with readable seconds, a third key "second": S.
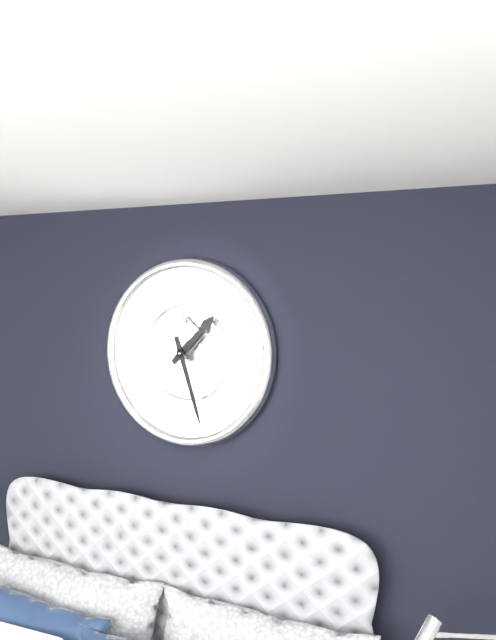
{"hour": 1, "minute": 27}
